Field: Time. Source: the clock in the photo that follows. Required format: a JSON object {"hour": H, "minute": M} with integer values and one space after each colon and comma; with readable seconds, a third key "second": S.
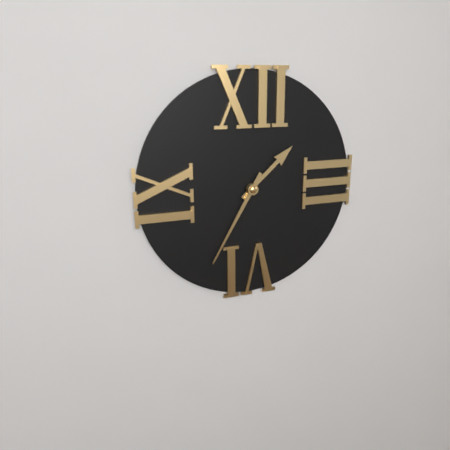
{"hour": 1, "minute": 35}
